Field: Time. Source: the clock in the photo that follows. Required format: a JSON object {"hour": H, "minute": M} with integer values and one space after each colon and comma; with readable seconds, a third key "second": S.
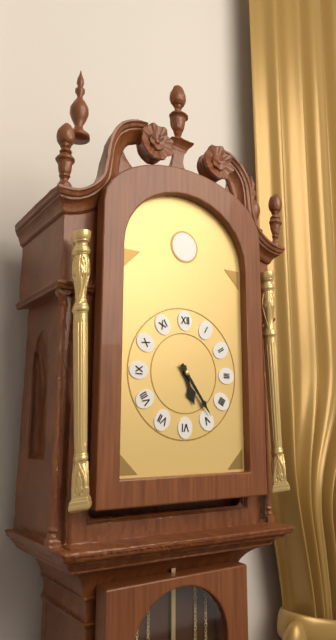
{"hour": 5, "minute": 24}
